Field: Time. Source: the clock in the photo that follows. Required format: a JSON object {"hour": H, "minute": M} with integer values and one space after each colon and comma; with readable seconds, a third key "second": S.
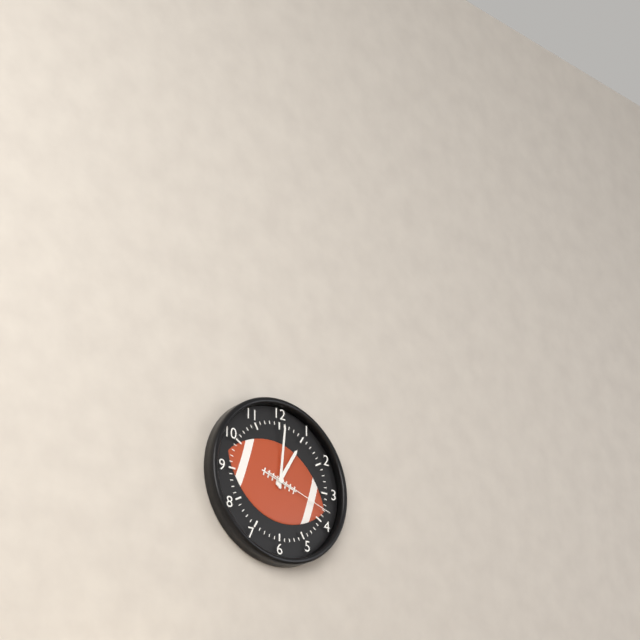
{"hour": 1, "minute": 1, "second": 18}
